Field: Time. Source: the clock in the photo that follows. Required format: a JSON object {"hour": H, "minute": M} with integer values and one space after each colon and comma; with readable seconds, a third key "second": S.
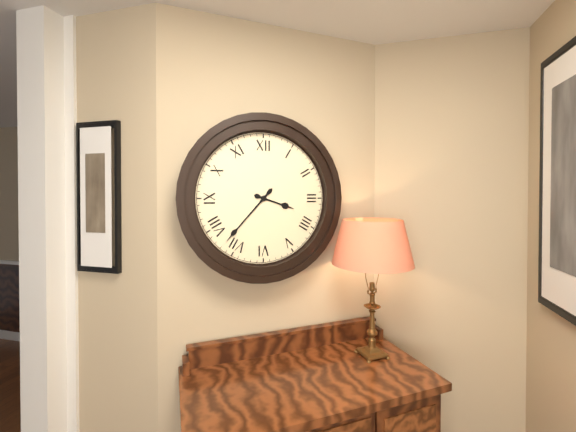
{"hour": 3, "minute": 37}
